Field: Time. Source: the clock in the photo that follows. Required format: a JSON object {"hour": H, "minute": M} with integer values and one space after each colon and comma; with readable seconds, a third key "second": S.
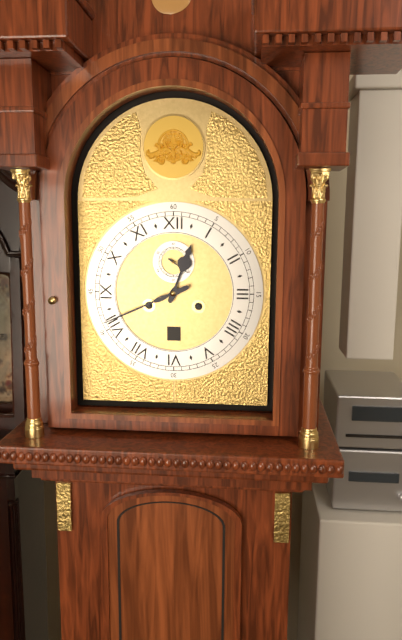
{"hour": 12, "minute": 41}
